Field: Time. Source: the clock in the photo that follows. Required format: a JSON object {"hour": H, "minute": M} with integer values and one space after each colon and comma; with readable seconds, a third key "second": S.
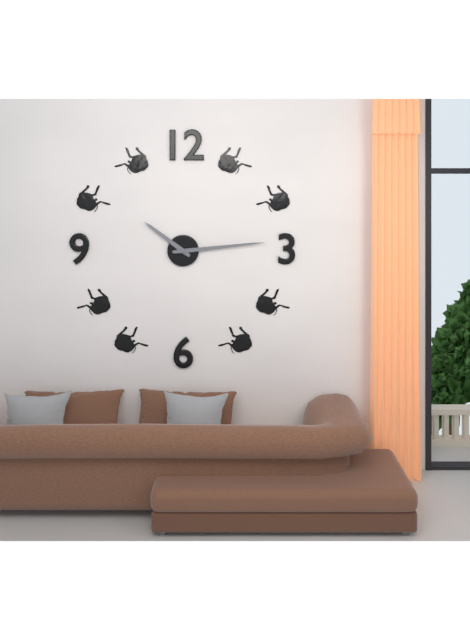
{"hour": 10, "minute": 14}
